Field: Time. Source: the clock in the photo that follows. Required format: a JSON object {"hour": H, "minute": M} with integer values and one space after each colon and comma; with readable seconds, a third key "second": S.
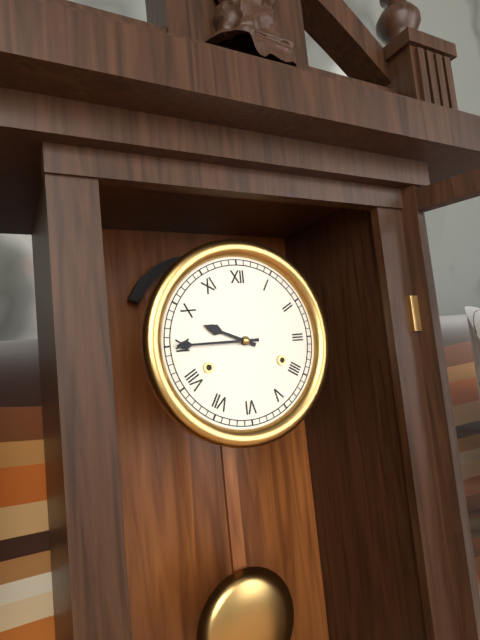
{"hour": 9, "minute": 45}
